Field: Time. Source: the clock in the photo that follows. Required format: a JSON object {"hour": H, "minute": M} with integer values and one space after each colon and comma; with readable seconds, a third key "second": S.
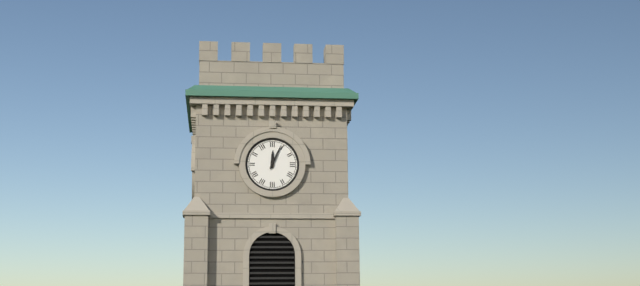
{"hour": 12, "minute": 4}
